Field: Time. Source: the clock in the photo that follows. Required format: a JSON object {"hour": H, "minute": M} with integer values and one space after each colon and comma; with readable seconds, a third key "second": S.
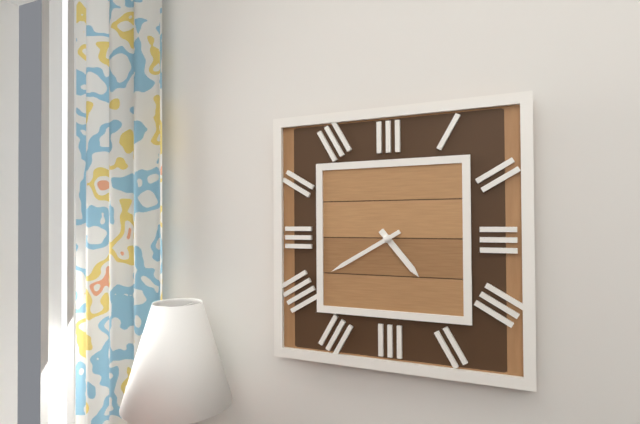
{"hour": 4, "minute": 40}
